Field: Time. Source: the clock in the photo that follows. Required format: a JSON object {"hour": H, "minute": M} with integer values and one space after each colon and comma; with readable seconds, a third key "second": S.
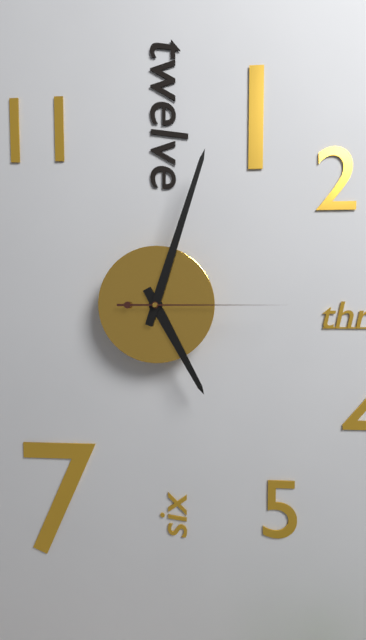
{"hour": 5, "minute": 3, "second": 15}
